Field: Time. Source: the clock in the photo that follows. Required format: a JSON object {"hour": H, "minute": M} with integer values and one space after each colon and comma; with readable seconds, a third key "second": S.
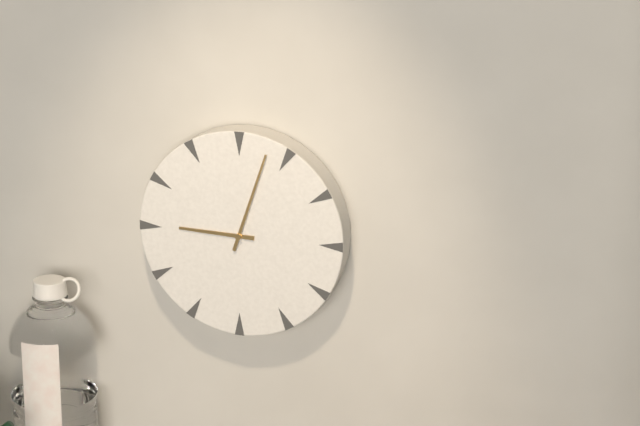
{"hour": 9, "minute": 3}
